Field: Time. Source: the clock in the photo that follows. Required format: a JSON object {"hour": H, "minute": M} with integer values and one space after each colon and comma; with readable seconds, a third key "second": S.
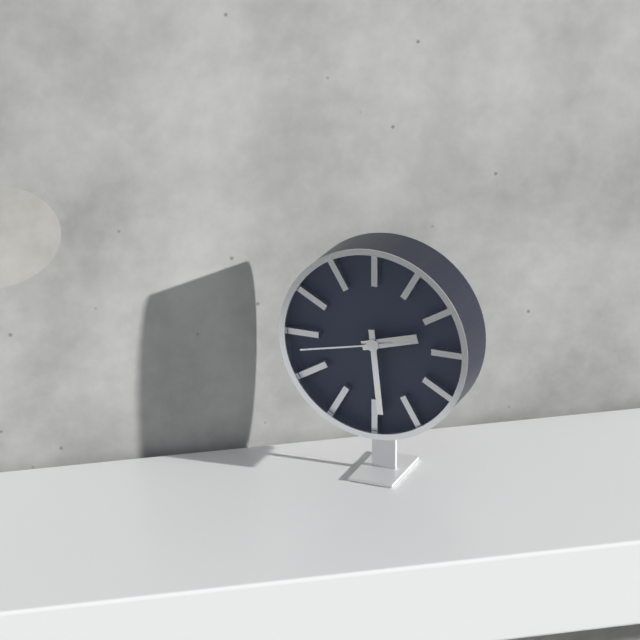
{"hour": 2, "minute": 29, "second": 43}
